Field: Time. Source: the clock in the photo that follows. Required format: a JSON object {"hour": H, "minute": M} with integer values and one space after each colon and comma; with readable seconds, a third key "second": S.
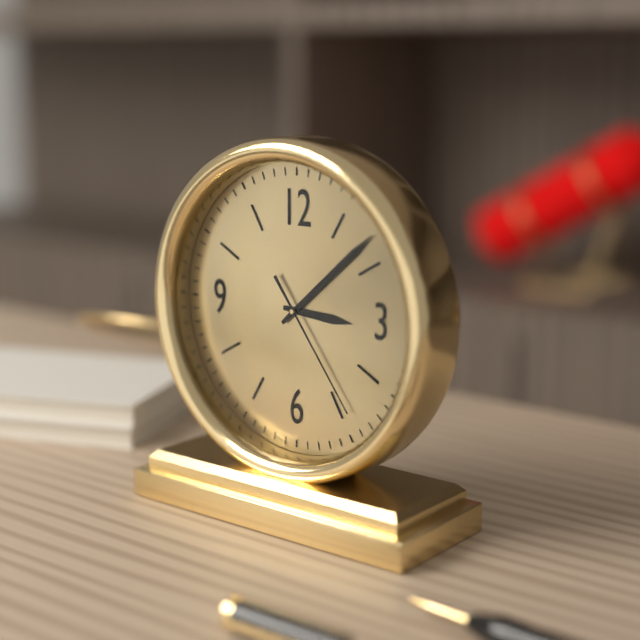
{"hour": 3, "minute": 8, "second": 24}
